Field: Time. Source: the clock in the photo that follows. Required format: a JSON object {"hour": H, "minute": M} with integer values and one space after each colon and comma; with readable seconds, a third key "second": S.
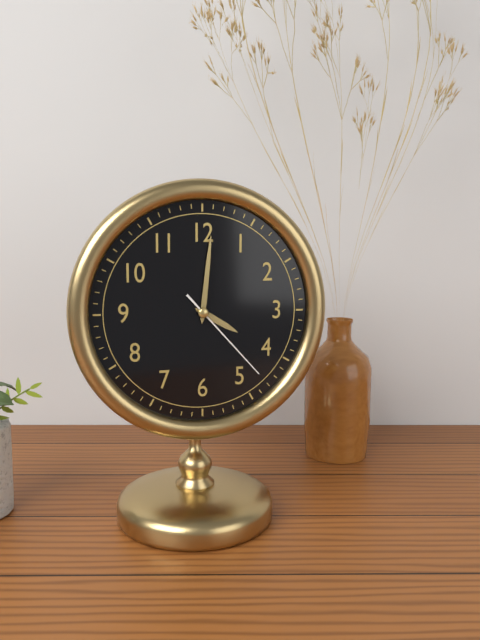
{"hour": 4, "minute": 1, "second": 23}
